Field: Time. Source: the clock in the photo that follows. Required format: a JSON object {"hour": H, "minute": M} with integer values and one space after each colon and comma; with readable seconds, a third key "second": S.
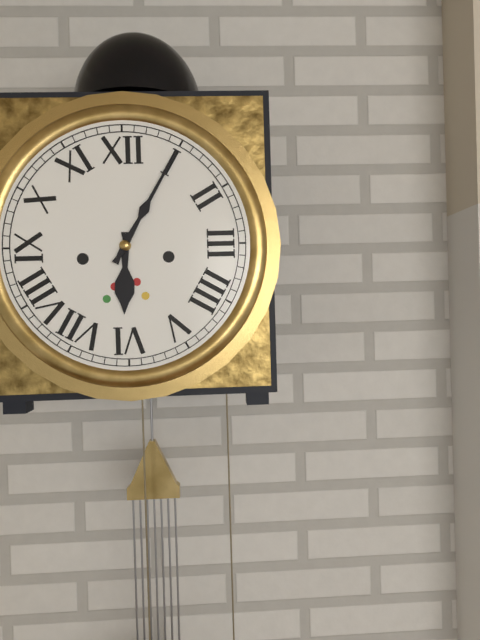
{"hour": 6, "minute": 5}
